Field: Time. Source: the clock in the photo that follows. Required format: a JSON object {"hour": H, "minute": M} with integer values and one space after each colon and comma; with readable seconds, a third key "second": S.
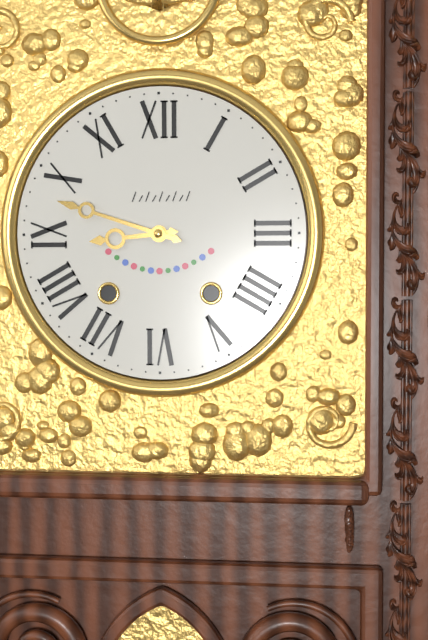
{"hour": 8, "minute": 48}
